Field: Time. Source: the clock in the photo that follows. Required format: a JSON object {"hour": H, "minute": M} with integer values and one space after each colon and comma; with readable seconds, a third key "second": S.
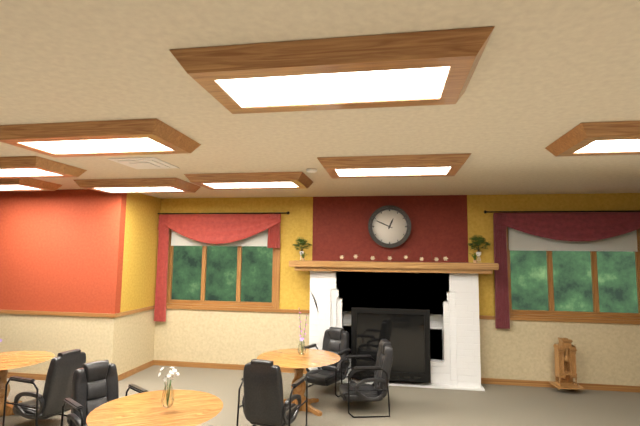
{"hour": 12, "minute": 49}
